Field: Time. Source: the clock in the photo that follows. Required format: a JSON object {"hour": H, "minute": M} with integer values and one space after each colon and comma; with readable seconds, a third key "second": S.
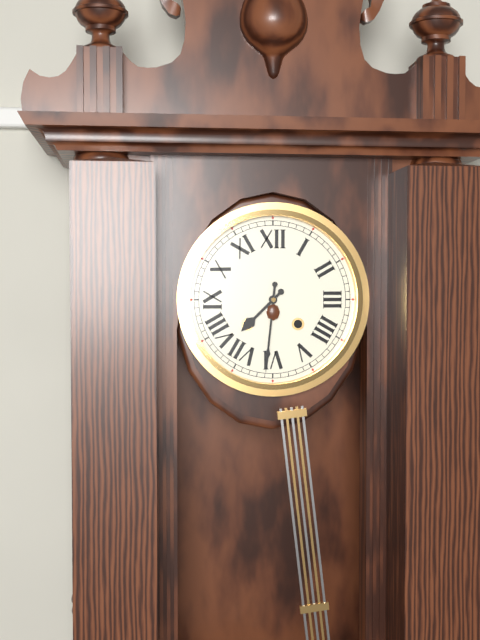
{"hour": 7, "minute": 31}
